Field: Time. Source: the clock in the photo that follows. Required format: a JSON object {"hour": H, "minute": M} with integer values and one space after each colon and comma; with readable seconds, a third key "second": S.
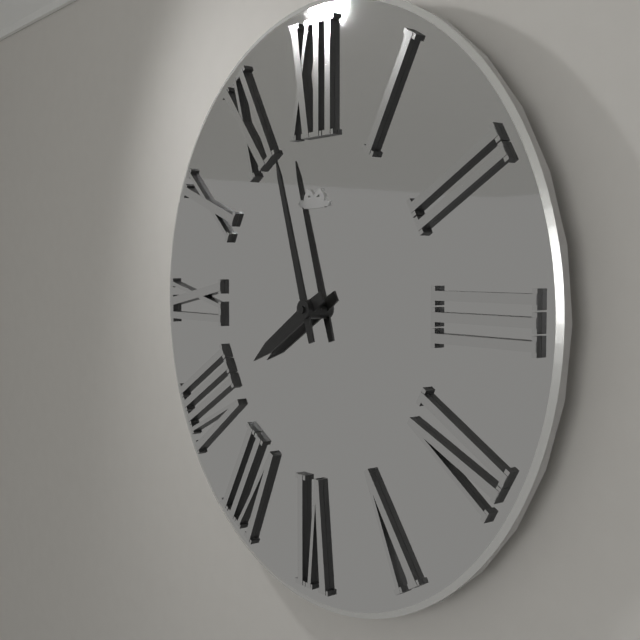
{"hour": 7, "minute": 57}
